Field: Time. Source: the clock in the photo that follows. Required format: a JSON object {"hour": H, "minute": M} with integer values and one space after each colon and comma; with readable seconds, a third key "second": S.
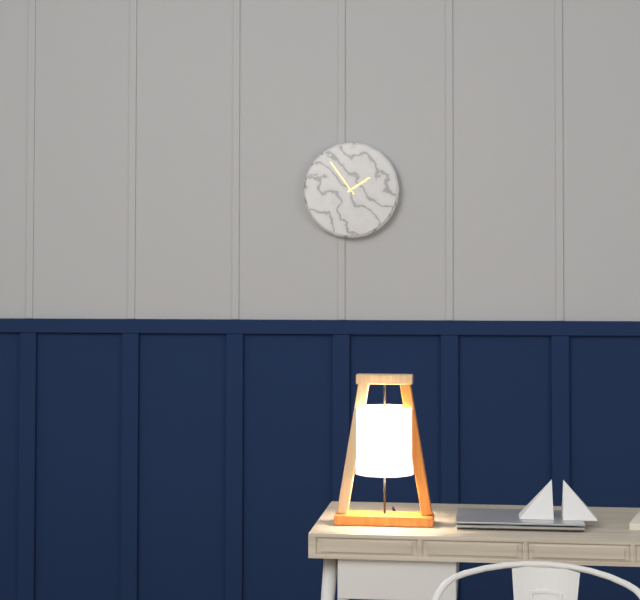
{"hour": 1, "minute": 54}
